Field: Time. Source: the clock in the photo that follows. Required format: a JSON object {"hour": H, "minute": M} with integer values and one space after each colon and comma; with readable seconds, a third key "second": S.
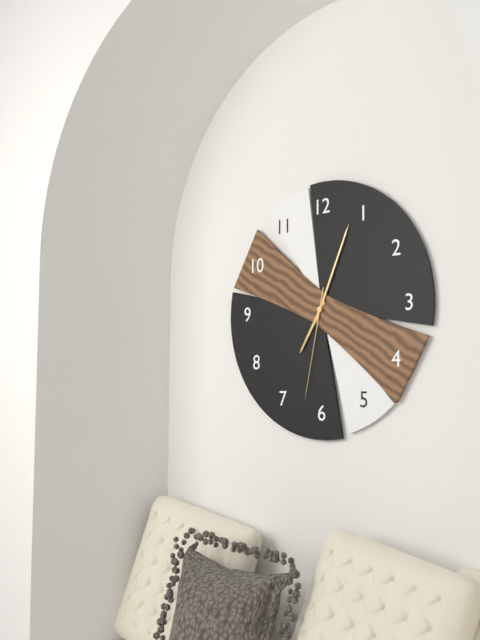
{"hour": 7, "minute": 4, "second": 32}
